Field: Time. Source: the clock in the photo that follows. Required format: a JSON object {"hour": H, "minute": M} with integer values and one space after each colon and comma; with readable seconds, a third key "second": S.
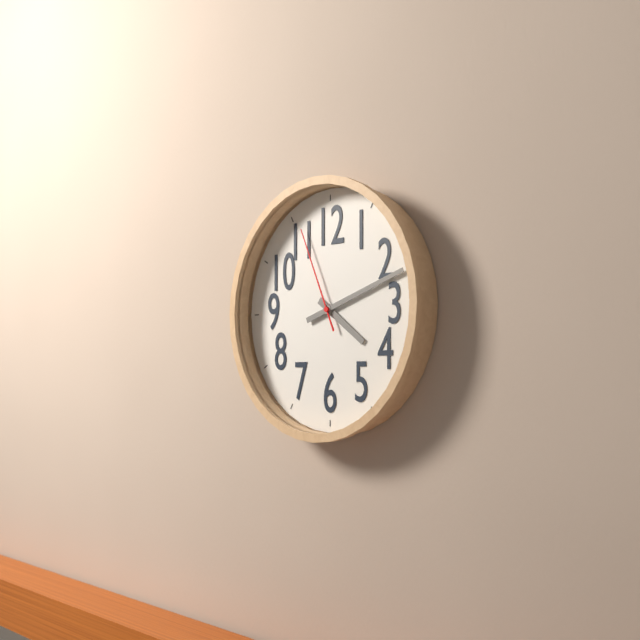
{"hour": 4, "minute": 12, "second": 56}
